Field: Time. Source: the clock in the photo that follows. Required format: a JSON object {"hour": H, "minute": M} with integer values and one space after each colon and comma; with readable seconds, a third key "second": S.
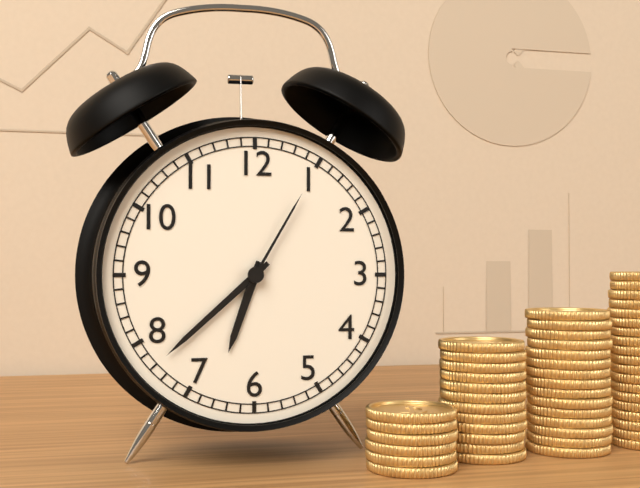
{"hour": 6, "minute": 38, "second": 5}
